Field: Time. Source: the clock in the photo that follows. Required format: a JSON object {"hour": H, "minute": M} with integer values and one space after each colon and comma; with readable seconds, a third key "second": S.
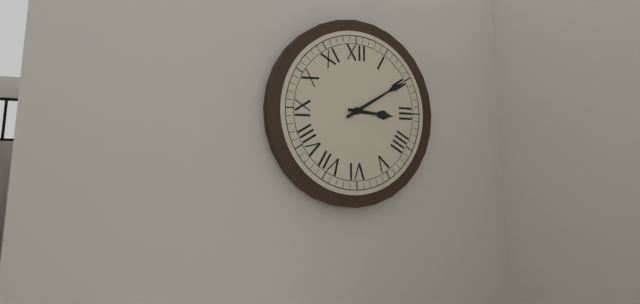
{"hour": 3, "minute": 10}
